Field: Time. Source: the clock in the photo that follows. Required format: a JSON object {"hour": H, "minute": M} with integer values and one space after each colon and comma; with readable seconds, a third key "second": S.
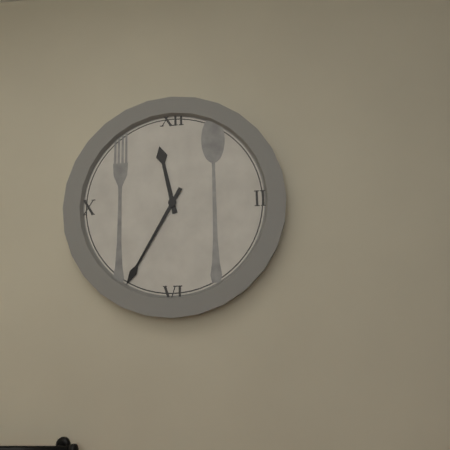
{"hour": 11, "minute": 35}
